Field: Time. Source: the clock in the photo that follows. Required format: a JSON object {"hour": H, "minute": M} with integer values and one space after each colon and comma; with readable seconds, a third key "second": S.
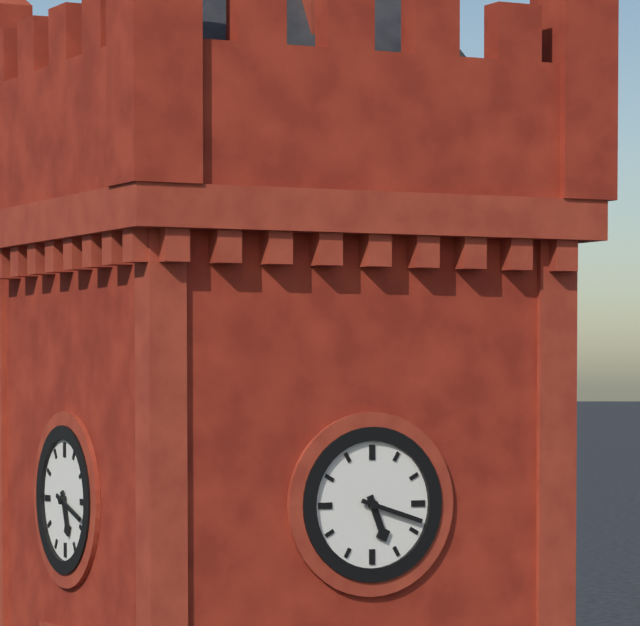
{"hour": 5, "minute": 18}
